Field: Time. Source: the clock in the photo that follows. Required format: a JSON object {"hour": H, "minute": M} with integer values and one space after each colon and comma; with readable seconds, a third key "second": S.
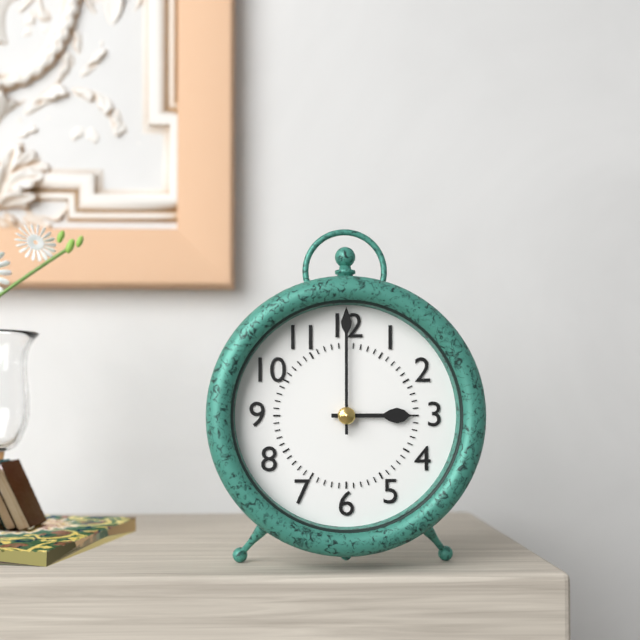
{"hour": 3, "minute": 0}
